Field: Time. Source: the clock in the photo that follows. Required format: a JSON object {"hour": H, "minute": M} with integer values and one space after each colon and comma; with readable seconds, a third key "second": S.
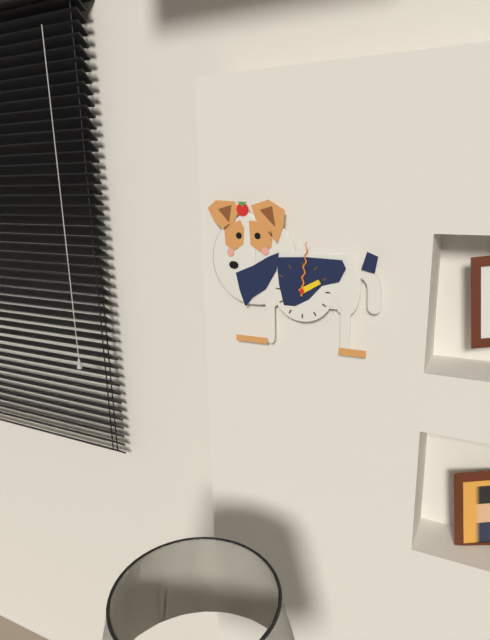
{"hour": 2, "minute": 1}
